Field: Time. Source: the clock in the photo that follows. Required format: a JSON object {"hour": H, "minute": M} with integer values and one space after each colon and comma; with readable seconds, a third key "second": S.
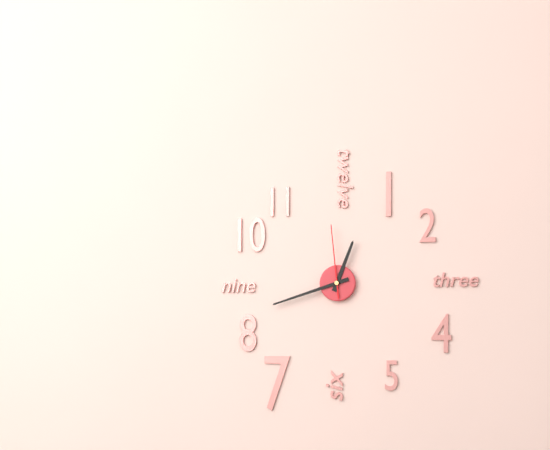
{"hour": 12, "minute": 42, "second": 59}
